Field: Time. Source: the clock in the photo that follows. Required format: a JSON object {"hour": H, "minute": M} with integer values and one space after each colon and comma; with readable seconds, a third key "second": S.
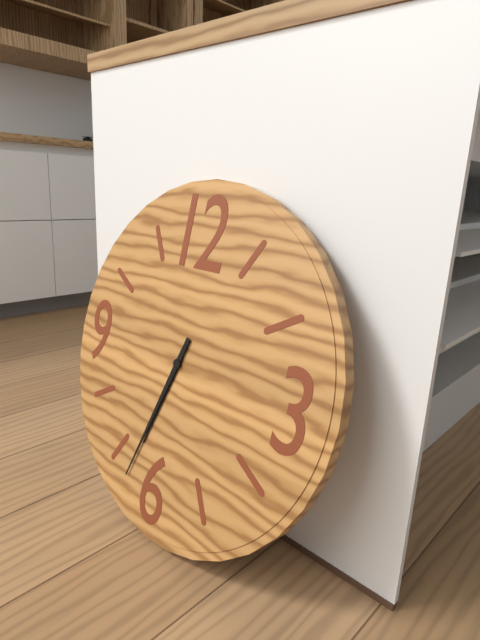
{"hour": 6, "minute": 33}
